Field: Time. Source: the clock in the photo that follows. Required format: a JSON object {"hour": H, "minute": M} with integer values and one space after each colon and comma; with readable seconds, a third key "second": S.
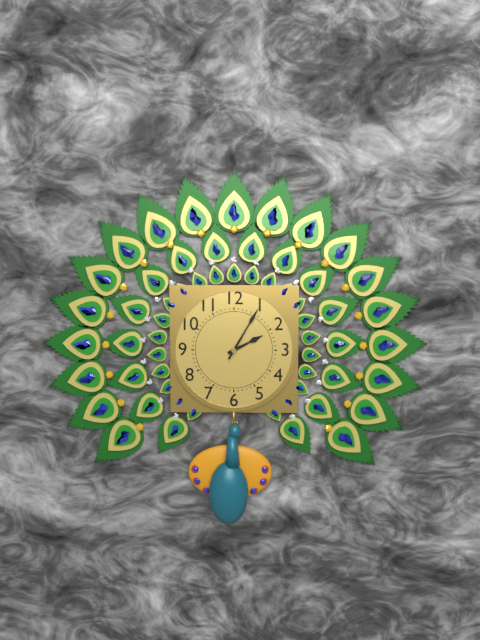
{"hour": 2, "minute": 5}
